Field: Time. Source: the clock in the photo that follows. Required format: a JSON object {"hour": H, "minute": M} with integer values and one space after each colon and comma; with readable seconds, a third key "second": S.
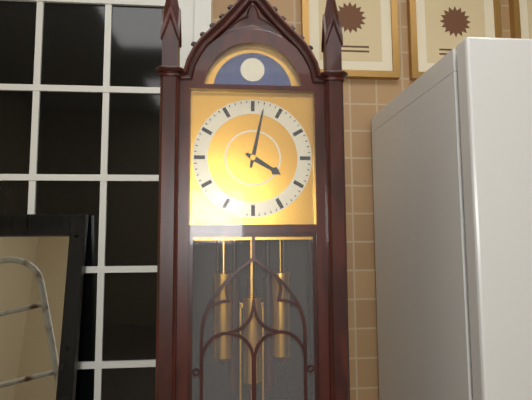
{"hour": 4, "minute": 2}
